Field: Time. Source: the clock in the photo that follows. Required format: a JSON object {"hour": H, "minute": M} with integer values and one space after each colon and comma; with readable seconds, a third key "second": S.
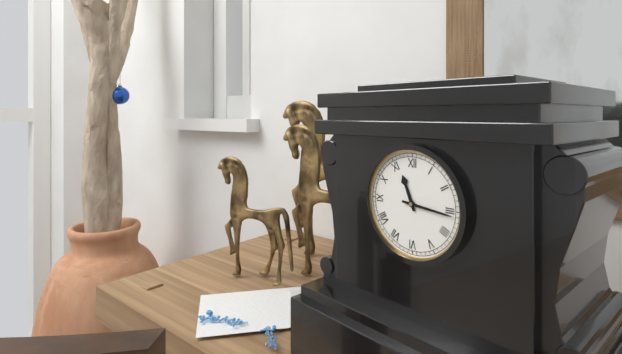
{"hour": 11, "minute": 16}
